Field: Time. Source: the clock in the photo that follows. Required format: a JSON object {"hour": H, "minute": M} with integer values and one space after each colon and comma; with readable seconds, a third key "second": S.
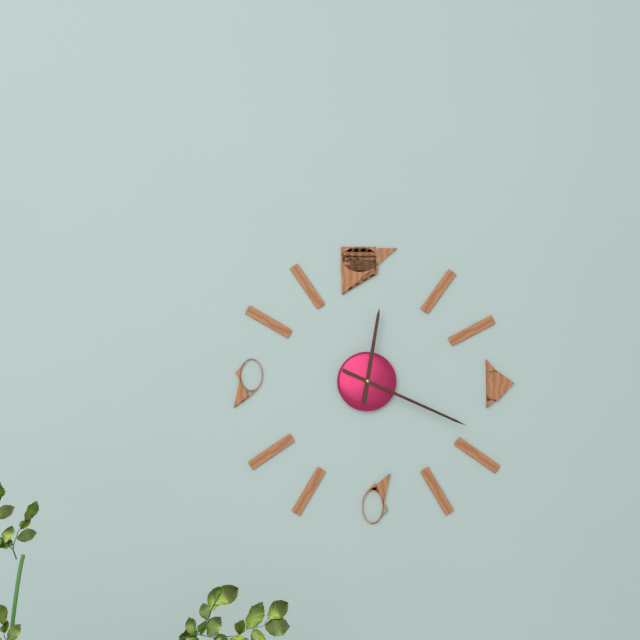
{"hour": 12, "minute": 19}
